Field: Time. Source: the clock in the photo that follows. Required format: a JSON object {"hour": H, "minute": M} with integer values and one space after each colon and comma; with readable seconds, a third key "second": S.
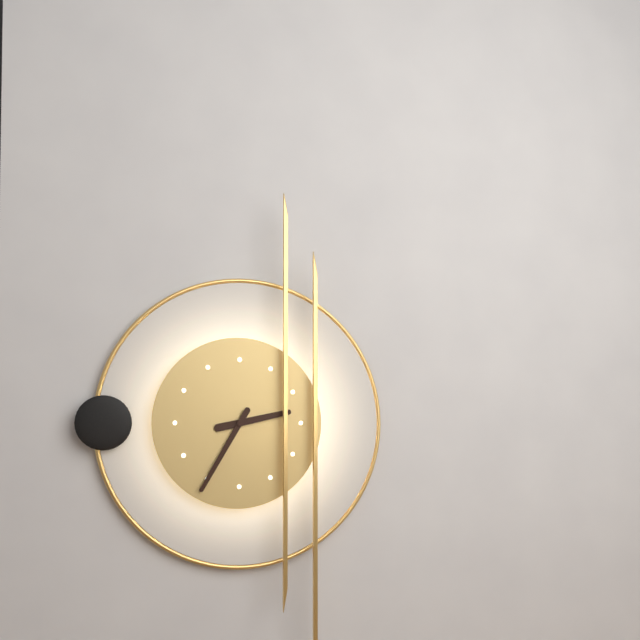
{"hour": 2, "minute": 35}
